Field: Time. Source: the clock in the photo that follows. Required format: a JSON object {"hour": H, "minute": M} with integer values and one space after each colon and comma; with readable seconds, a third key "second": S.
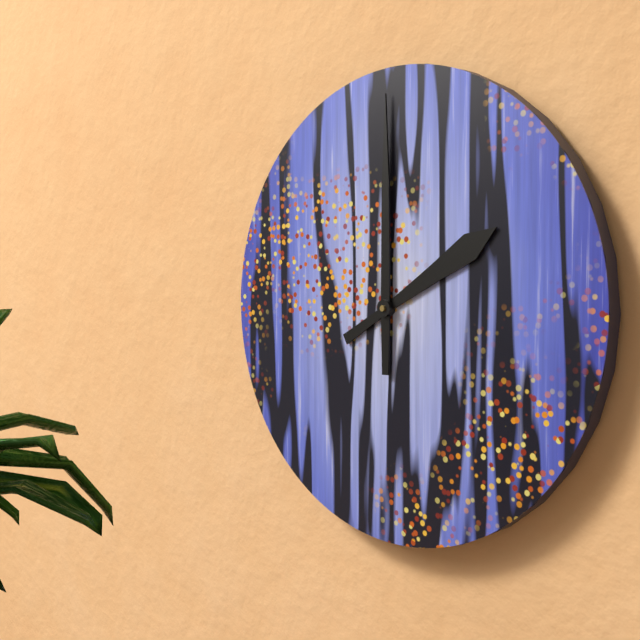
{"hour": 2, "minute": 0}
